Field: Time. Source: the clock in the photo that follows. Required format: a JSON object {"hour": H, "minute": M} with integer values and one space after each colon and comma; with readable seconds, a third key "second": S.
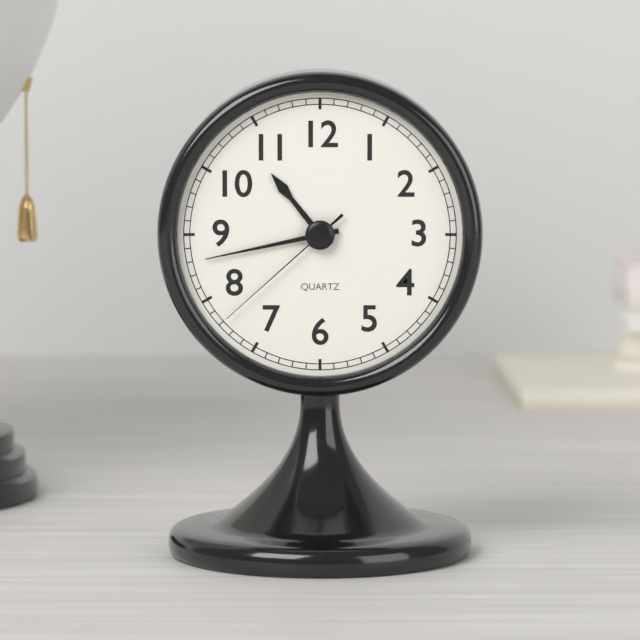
{"hour": 10, "minute": 43, "second": 38}
